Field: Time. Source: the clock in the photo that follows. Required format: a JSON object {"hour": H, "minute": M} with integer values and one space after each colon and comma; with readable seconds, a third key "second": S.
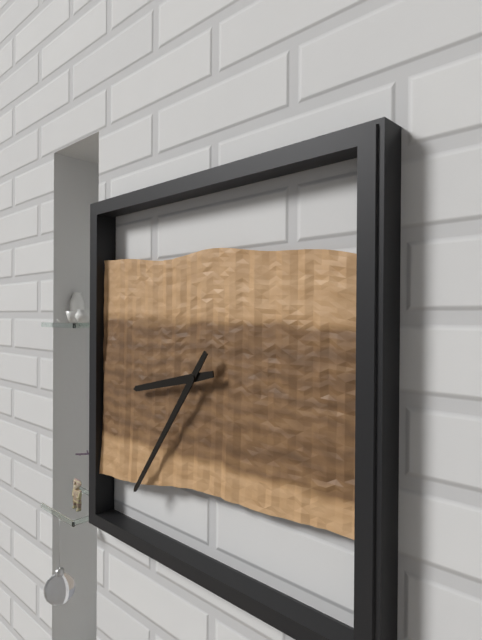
{"hour": 8, "minute": 36}
